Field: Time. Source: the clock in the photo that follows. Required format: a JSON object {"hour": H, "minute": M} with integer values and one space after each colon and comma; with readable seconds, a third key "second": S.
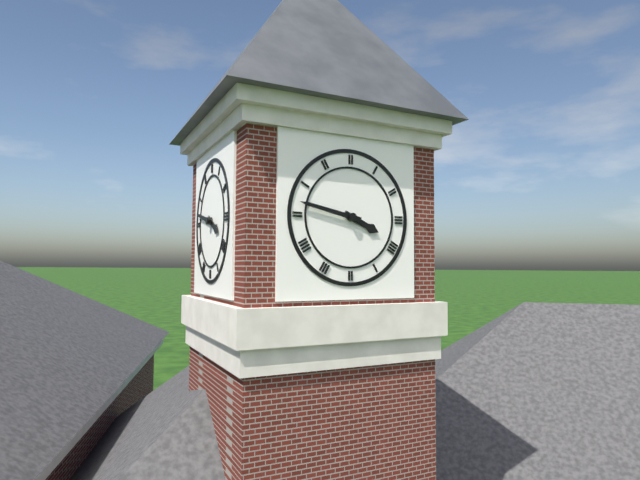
{"hour": 3, "minute": 47}
